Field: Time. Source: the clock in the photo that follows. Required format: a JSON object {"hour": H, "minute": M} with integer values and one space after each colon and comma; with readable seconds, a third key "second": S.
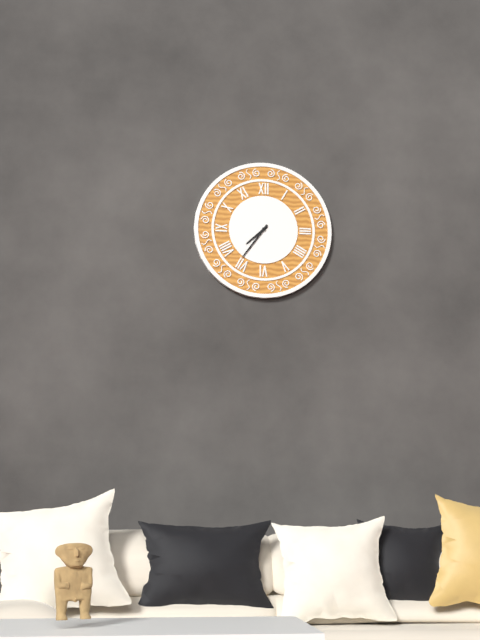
{"hour": 7, "minute": 36}
